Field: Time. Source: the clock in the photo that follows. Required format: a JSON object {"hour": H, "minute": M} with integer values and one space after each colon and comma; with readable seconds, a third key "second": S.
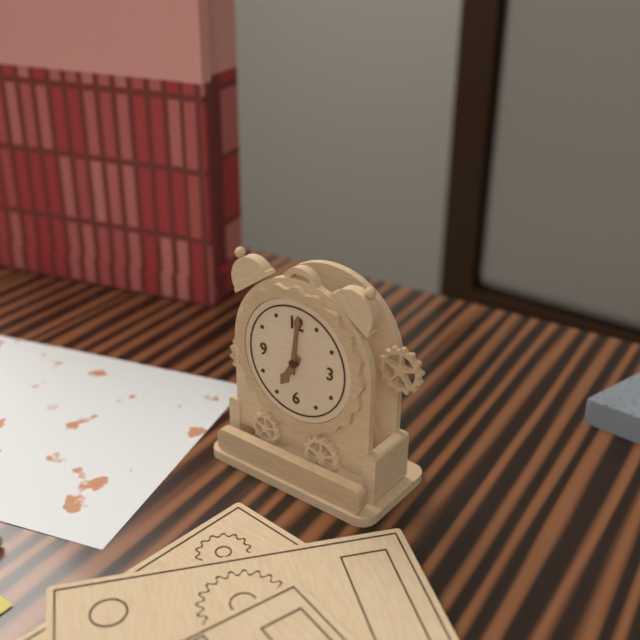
{"hour": 7, "minute": 1}
